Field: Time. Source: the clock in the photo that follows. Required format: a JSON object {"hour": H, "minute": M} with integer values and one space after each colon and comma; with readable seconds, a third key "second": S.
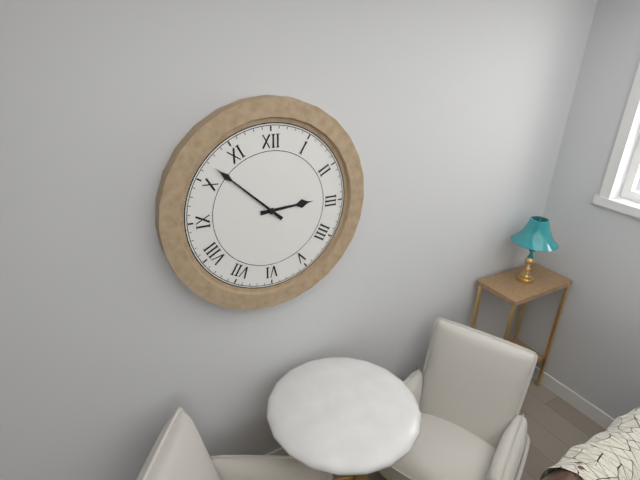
{"hour": 2, "minute": 52}
